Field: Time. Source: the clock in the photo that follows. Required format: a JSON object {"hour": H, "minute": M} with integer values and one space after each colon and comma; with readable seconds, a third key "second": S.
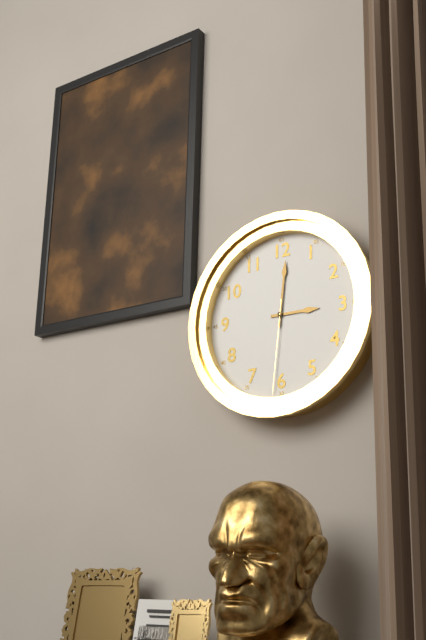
{"hour": 3, "minute": 1, "second": 31}
